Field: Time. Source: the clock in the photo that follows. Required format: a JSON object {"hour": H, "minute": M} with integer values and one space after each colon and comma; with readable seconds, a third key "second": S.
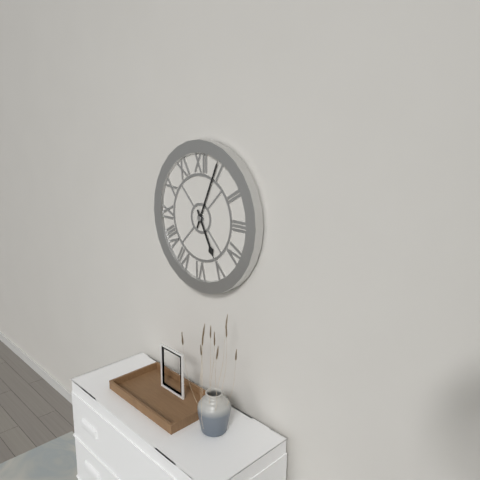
{"hour": 5, "minute": 4}
